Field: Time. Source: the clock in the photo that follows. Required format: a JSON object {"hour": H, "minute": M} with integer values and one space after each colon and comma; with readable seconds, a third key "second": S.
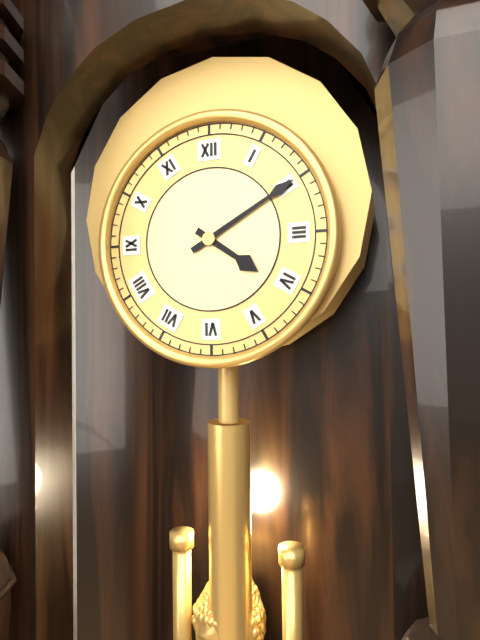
{"hour": 4, "minute": 10}
